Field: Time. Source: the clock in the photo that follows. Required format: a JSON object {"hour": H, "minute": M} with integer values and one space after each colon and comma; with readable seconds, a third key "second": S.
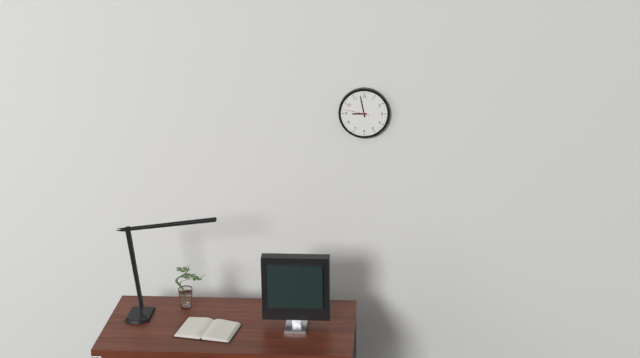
{"hour": 8, "minute": 58}
